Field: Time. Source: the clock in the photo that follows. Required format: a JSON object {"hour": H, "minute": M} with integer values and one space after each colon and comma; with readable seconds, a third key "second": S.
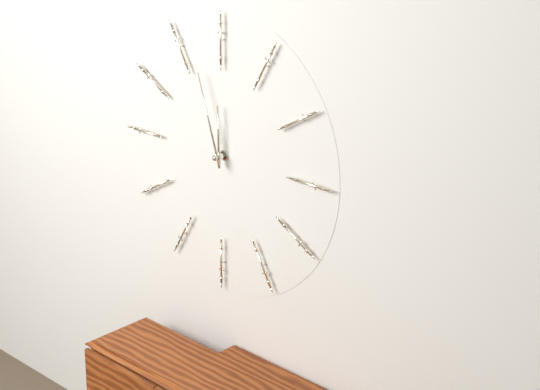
{"hour": 11, "minute": 57}
